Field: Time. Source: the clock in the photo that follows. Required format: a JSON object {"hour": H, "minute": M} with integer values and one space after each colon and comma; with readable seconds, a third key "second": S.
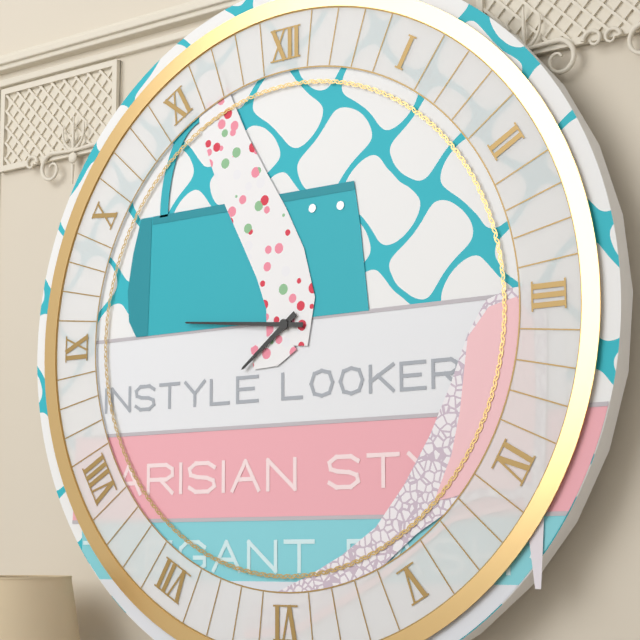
{"hour": 7, "minute": 46}
